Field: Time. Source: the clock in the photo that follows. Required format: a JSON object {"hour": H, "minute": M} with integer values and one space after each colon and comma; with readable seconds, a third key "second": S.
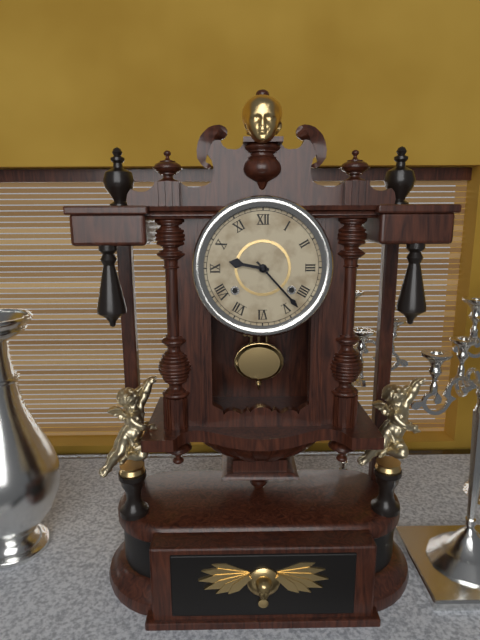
{"hour": 9, "minute": 23}
